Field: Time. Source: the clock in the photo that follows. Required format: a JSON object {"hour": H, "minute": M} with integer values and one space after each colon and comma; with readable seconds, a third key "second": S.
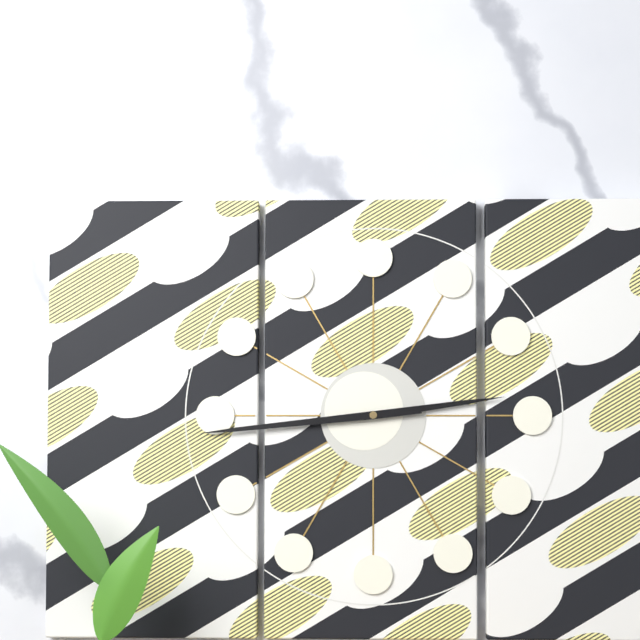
{"hour": 2, "minute": 44}
